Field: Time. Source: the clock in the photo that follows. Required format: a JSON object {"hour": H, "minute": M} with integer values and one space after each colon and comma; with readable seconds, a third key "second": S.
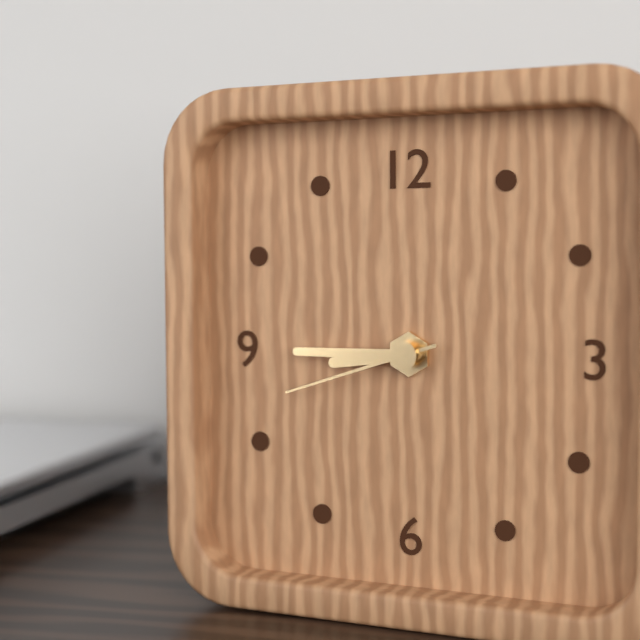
{"hour": 8, "minute": 45, "second": 42}
